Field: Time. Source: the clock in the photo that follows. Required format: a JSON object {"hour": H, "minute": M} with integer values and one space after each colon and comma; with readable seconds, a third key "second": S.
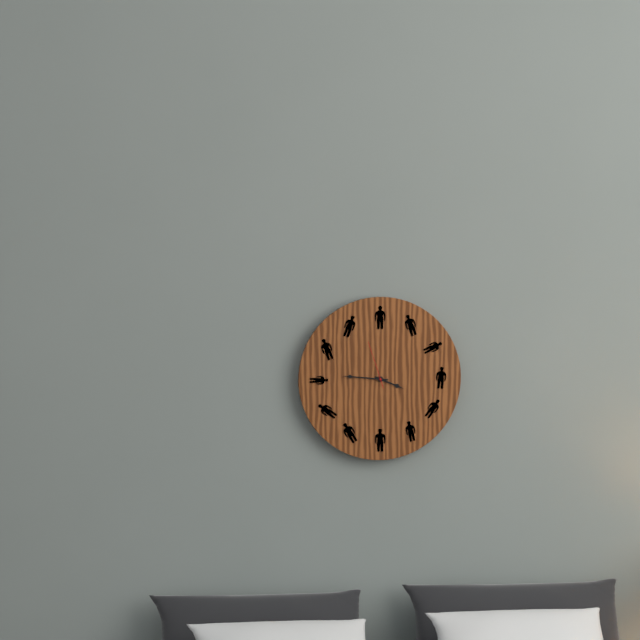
{"hour": 3, "minute": 46}
